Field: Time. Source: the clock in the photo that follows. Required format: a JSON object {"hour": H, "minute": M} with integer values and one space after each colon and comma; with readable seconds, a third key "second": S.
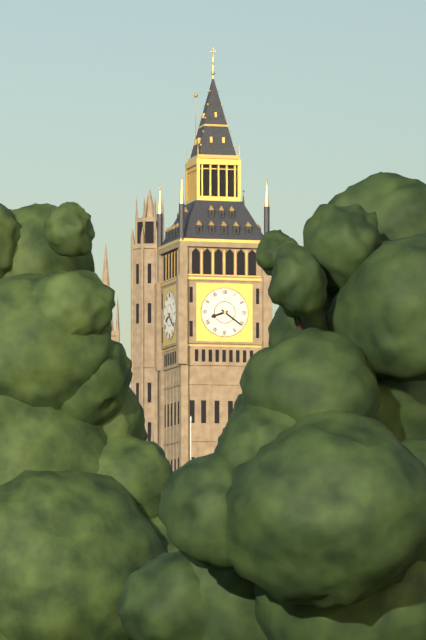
{"hour": 8, "minute": 21}
